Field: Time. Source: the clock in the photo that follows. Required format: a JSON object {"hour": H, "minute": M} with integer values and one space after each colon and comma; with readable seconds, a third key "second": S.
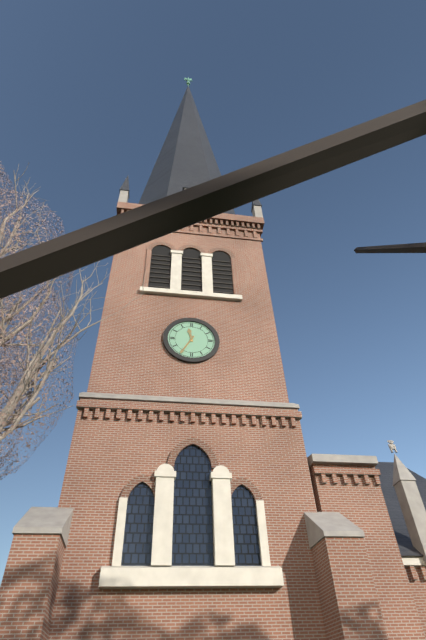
{"hour": 11, "minute": 35}
